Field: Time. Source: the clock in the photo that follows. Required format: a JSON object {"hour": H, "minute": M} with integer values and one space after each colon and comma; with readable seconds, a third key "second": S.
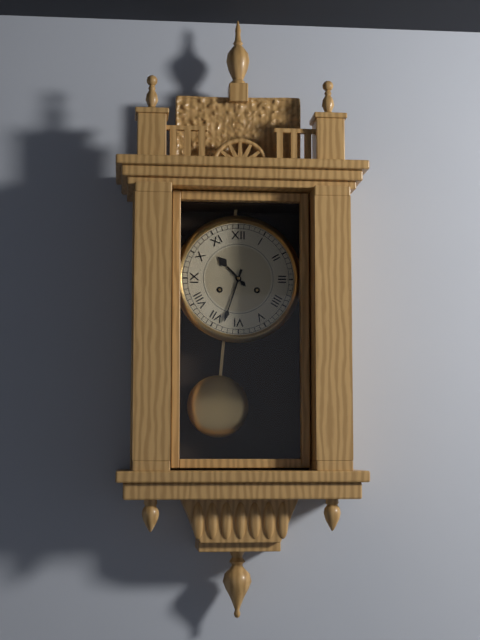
{"hour": 10, "minute": 33}
